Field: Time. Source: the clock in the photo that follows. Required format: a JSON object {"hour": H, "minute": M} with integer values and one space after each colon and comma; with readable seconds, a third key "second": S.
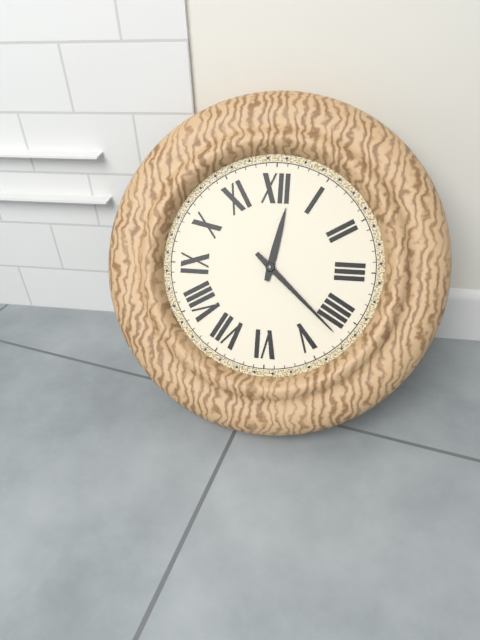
{"hour": 12, "minute": 22}
